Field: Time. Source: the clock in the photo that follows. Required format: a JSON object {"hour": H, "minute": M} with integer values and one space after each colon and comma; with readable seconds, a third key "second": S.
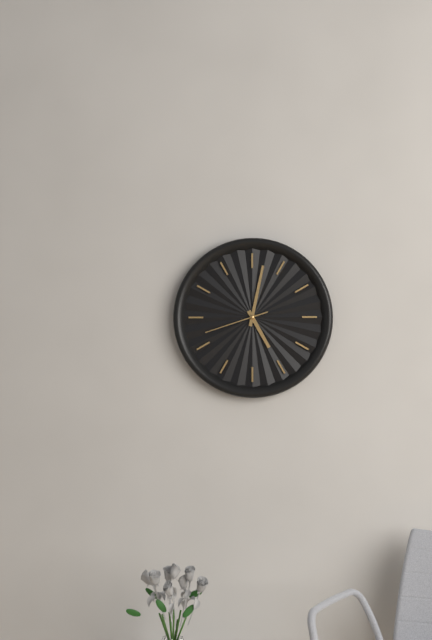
{"hour": 5, "minute": 2, "second": 42}
